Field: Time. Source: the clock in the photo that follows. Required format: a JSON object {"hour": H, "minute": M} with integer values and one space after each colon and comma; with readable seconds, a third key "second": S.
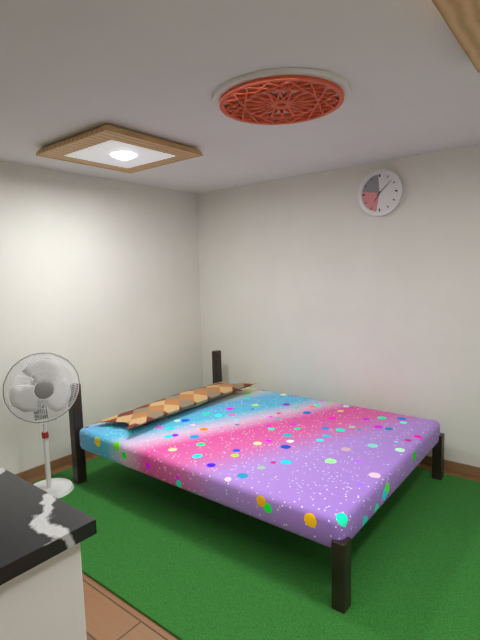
{"hour": 7, "minute": 8}
